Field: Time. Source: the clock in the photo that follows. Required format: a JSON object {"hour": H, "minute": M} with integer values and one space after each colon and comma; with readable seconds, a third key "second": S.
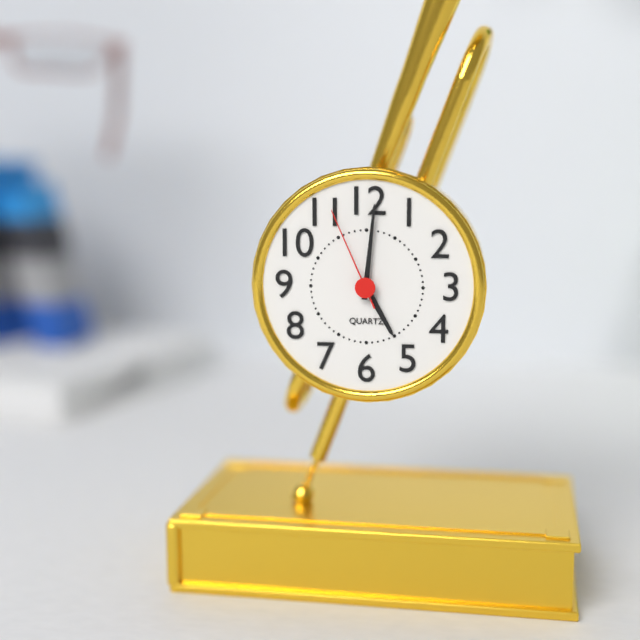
{"hour": 5, "minute": 1, "second": 56}
